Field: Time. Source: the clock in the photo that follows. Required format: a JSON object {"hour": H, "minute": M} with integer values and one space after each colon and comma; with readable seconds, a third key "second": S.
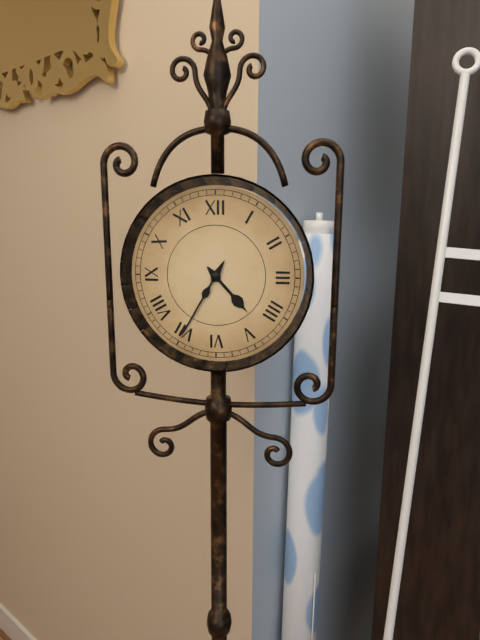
{"hour": 4, "minute": 35}
